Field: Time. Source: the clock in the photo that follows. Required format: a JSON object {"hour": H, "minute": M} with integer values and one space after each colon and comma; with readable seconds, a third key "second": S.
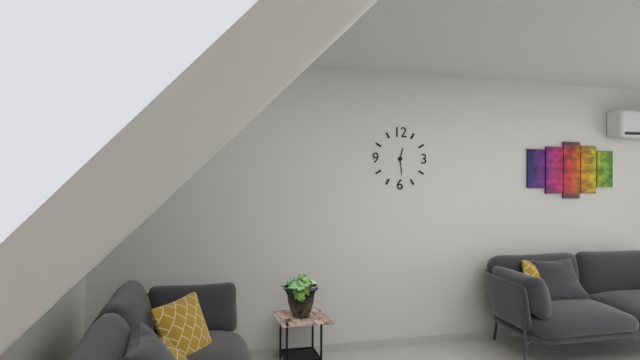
{"hour": 12, "minute": 29}
